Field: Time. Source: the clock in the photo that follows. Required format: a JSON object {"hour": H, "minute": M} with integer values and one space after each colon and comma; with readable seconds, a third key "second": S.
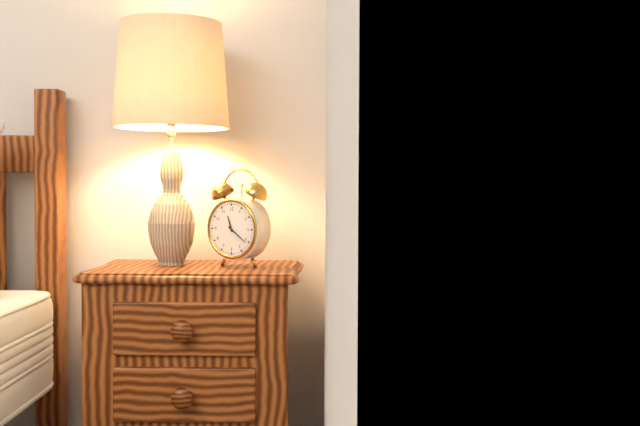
{"hour": 11, "minute": 21}
